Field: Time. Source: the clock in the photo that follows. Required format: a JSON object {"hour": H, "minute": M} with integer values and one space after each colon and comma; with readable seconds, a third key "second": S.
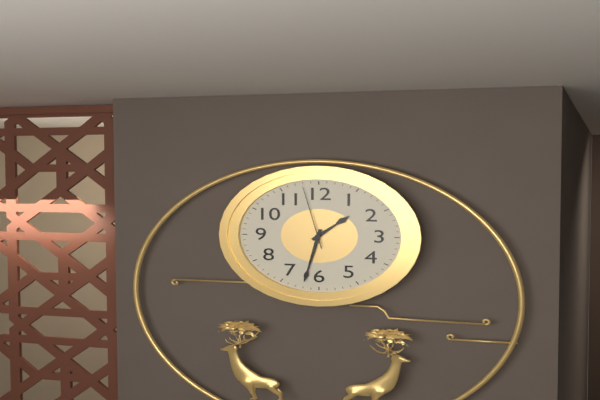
{"hour": 1, "minute": 32, "second": 58}
